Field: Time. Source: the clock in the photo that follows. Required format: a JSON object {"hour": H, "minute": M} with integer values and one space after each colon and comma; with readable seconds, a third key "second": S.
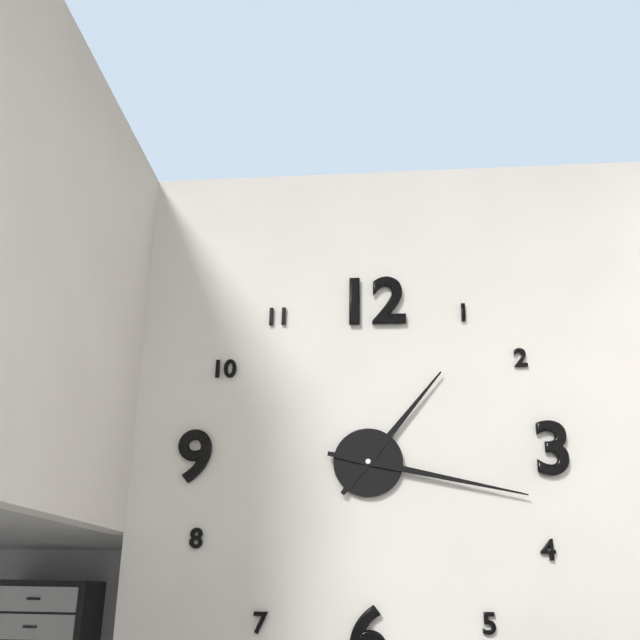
{"hour": 1, "minute": 17}
